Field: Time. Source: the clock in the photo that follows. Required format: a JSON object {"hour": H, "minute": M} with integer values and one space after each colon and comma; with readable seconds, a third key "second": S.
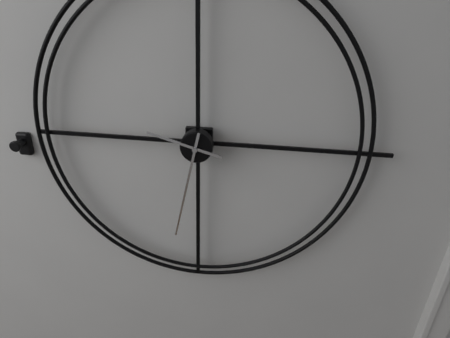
{"hour": 9, "minute": 32}
